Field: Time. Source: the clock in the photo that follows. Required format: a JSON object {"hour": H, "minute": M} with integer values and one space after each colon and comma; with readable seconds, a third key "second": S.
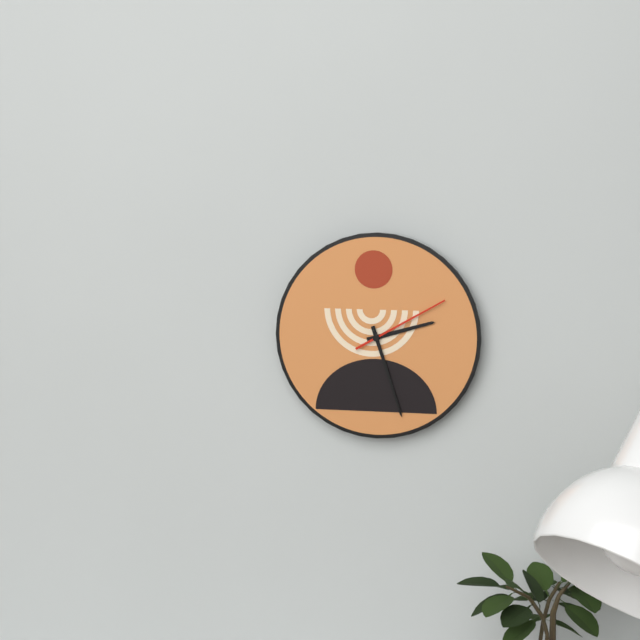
{"hour": 2, "minute": 27, "second": 10}
